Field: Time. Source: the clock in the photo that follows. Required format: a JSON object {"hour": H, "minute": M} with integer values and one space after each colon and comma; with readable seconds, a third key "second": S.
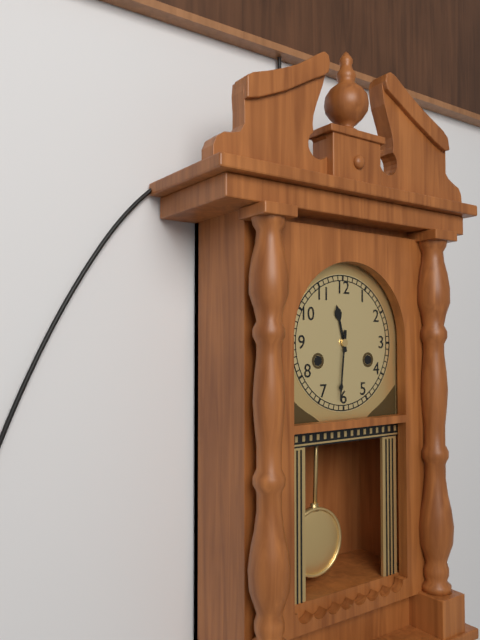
{"hour": 11, "minute": 31}
